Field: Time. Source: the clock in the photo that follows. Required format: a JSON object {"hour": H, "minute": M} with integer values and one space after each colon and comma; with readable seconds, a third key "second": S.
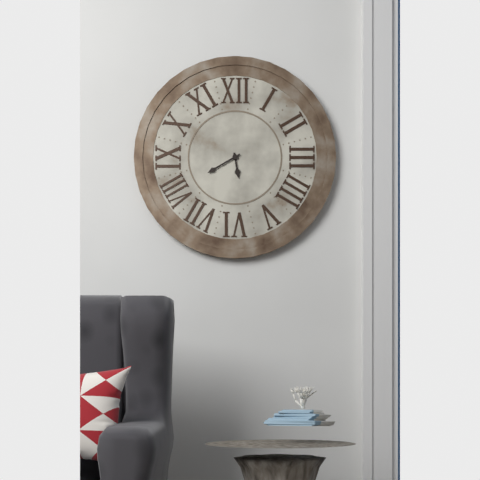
{"hour": 5, "minute": 40}
